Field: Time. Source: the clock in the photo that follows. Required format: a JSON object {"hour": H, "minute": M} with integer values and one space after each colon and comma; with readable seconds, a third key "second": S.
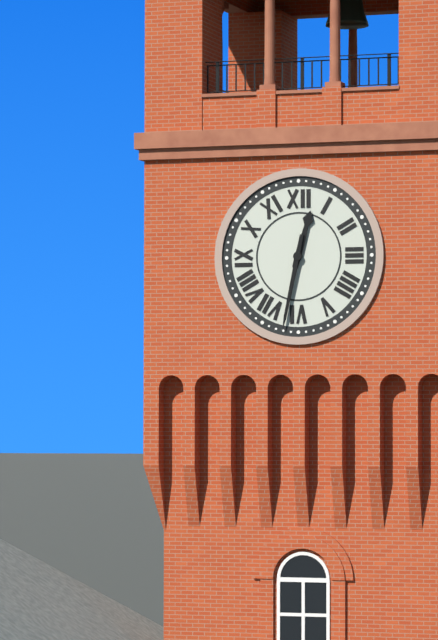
{"hour": 12, "minute": 32}
